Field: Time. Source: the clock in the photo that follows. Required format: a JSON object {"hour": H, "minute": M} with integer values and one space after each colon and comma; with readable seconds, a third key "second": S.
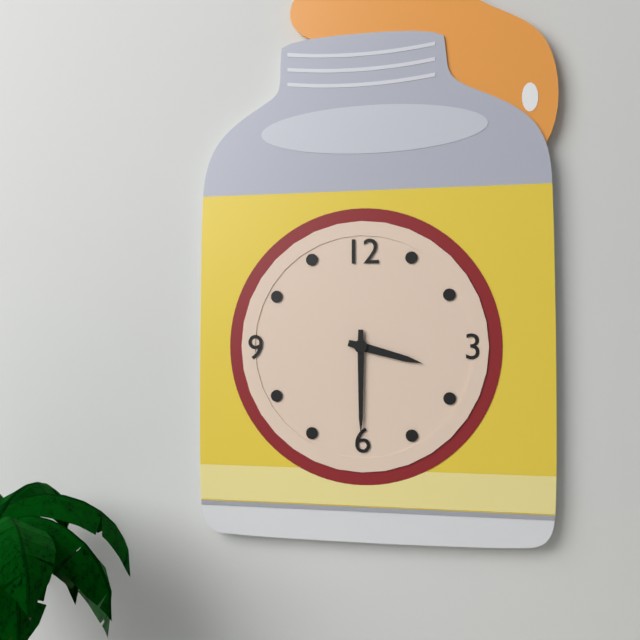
{"hour": 3, "minute": 30}
